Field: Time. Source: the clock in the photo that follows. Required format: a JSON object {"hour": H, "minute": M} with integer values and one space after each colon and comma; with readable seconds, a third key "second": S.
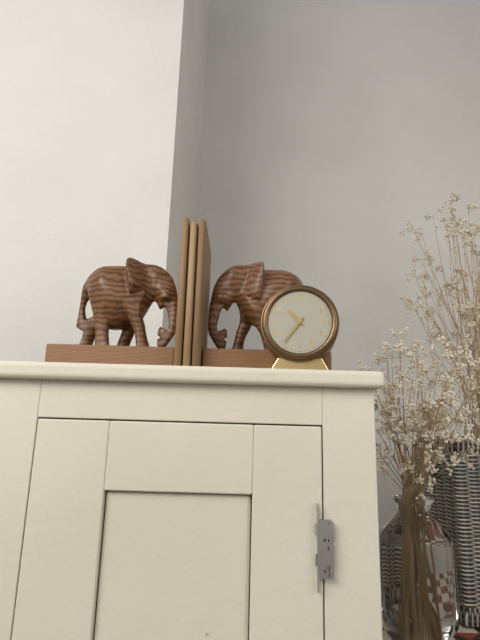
{"hour": 10, "minute": 36}
